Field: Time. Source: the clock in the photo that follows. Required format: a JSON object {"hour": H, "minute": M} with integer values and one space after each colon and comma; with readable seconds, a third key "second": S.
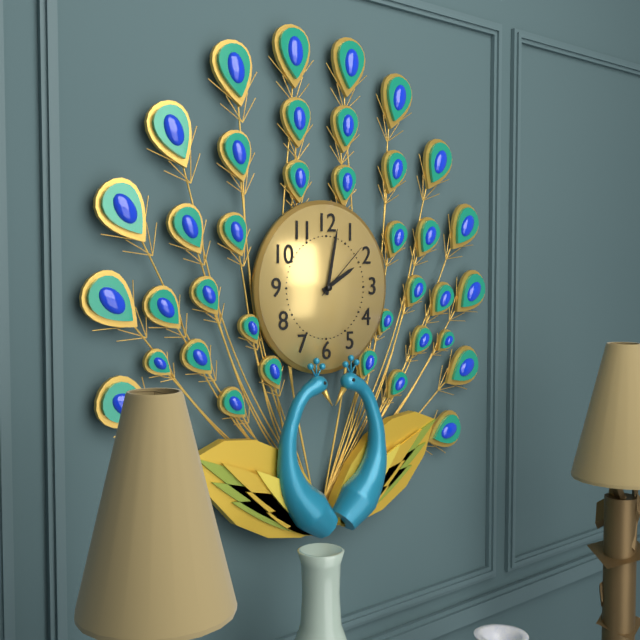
{"hour": 2, "minute": 2, "second": 8}
